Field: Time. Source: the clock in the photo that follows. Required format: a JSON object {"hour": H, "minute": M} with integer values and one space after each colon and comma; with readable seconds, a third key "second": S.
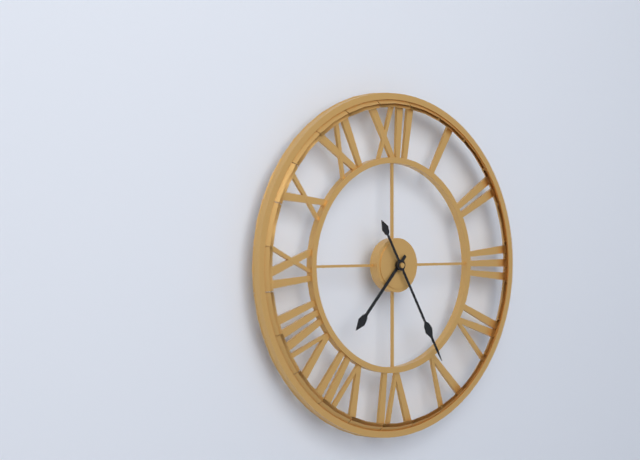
{"hour": 7, "minute": 25}
